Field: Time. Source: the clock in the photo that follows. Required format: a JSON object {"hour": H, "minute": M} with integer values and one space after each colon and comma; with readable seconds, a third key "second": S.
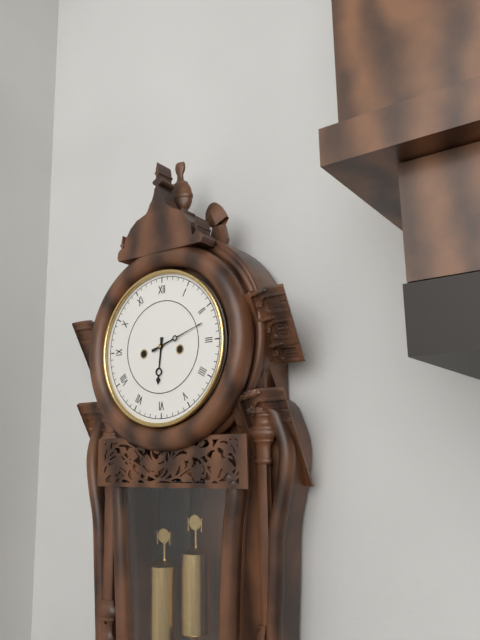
{"hour": 6, "minute": 12}
